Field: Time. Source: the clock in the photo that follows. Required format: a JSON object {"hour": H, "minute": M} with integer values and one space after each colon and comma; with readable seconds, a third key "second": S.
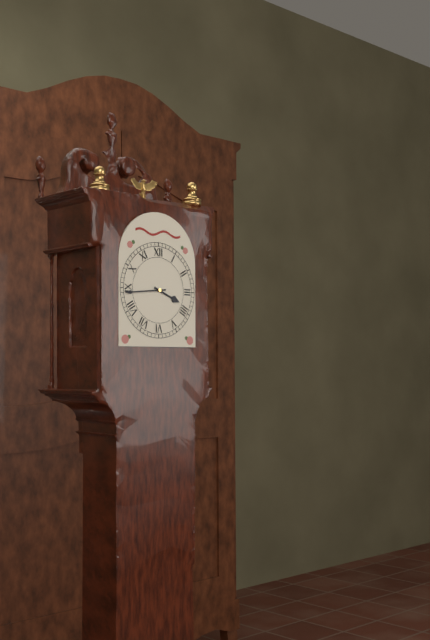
{"hour": 3, "minute": 44}
